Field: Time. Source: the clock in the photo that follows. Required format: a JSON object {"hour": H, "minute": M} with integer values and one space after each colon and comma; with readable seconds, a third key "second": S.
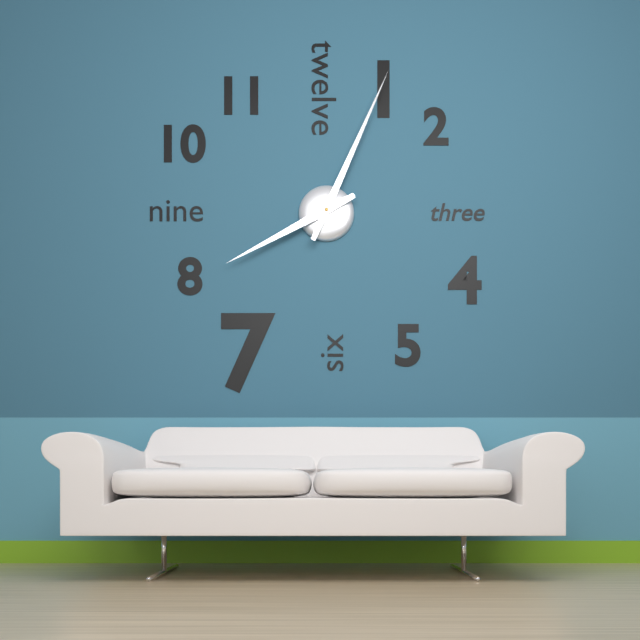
{"hour": 8, "minute": 4}
